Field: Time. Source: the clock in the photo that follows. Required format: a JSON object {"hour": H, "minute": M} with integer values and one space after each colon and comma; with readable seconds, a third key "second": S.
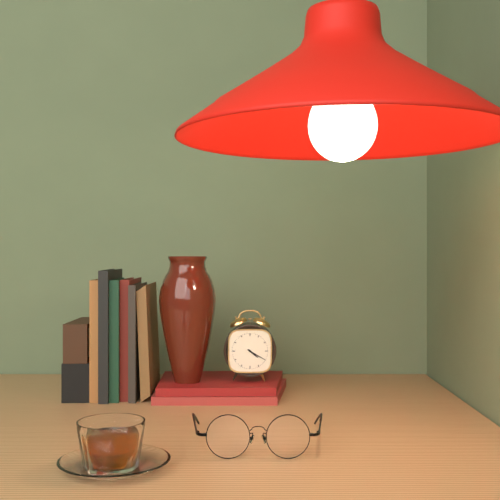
{"hour": 4, "minute": 20}
